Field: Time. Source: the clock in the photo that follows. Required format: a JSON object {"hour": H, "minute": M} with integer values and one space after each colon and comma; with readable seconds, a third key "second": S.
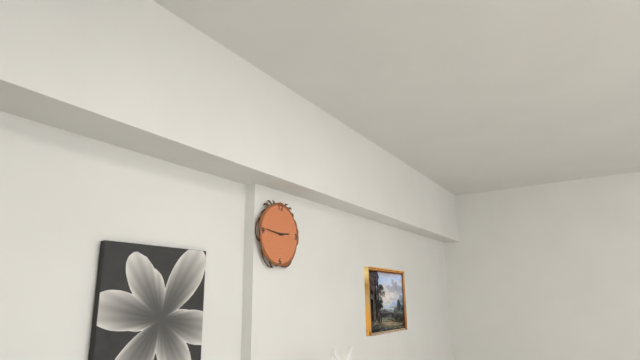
{"hour": 2, "minute": 46}
